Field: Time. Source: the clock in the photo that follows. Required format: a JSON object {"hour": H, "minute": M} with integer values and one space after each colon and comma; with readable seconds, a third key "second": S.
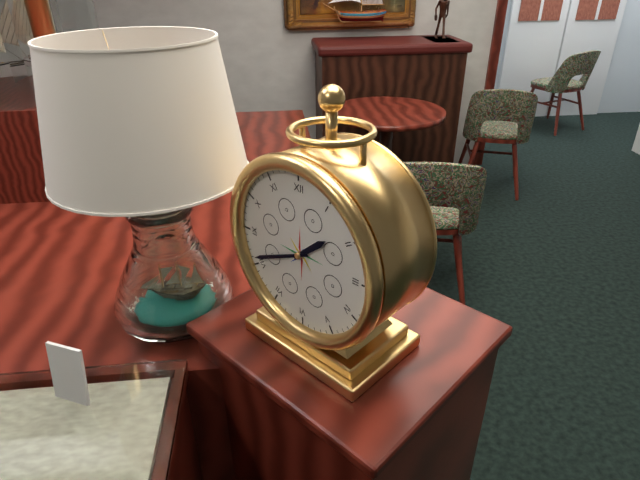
{"hour": 1, "minute": 41}
